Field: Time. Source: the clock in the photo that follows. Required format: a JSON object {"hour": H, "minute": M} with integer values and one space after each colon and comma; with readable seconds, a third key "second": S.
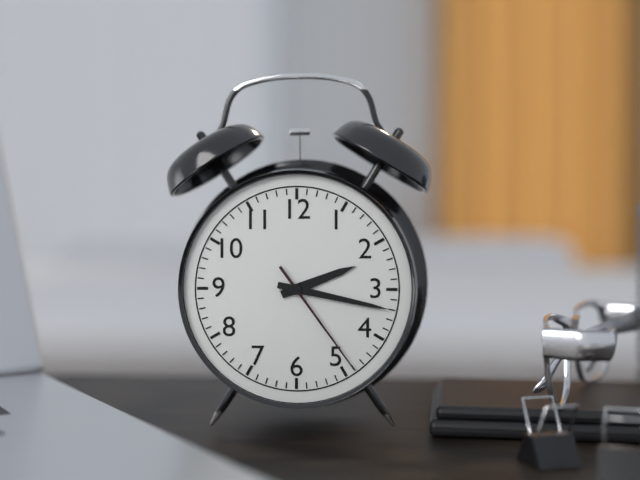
{"hour": 2, "minute": 17, "second": 24}
